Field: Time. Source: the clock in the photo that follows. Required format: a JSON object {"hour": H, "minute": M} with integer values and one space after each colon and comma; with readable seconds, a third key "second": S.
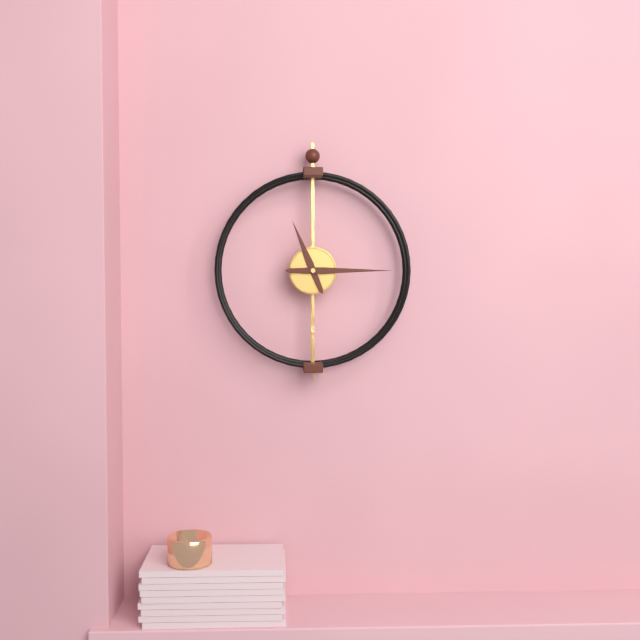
{"hour": 11, "minute": 15}
